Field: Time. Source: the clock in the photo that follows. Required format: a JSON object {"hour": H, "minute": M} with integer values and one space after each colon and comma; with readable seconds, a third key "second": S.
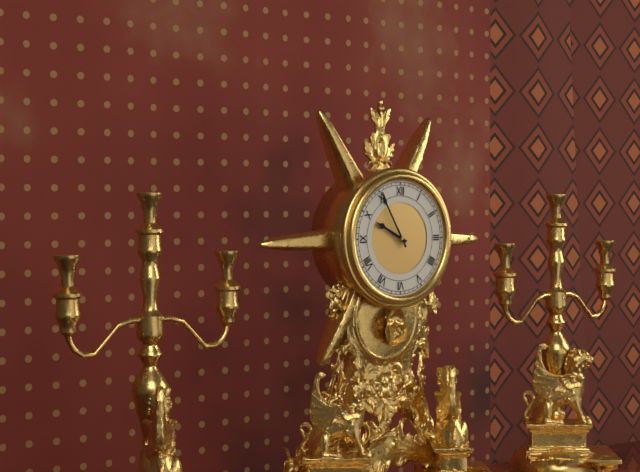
{"hour": 9, "minute": 55}
